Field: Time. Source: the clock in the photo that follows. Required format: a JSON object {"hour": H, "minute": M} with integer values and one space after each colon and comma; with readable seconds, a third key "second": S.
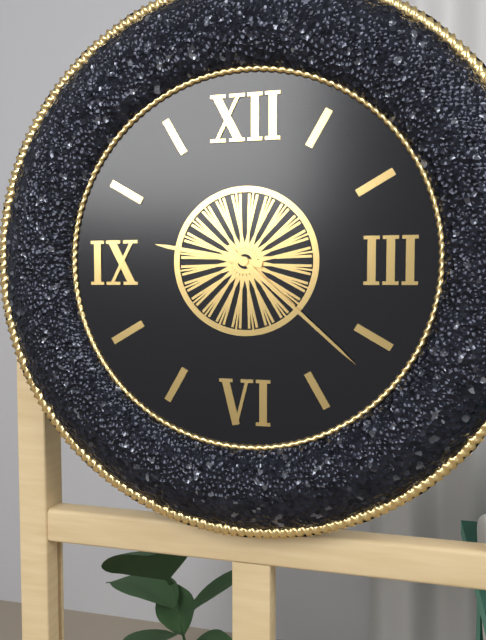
{"hour": 9, "minute": 22}
